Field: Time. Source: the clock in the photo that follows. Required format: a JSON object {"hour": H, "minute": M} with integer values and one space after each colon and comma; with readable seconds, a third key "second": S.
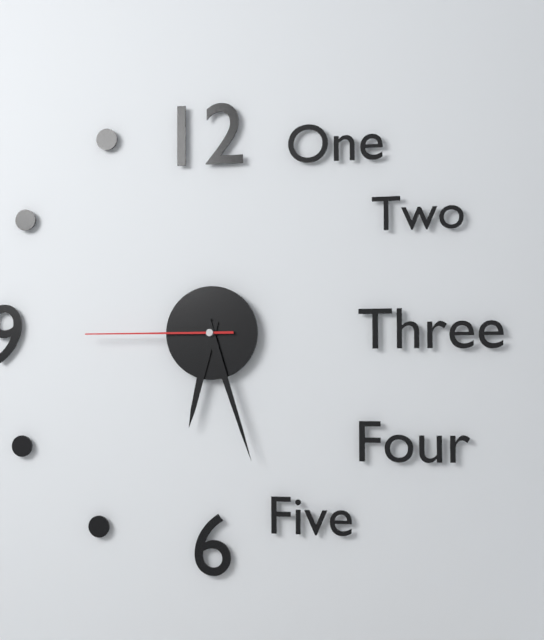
{"hour": 6, "minute": 27, "second": 45}
